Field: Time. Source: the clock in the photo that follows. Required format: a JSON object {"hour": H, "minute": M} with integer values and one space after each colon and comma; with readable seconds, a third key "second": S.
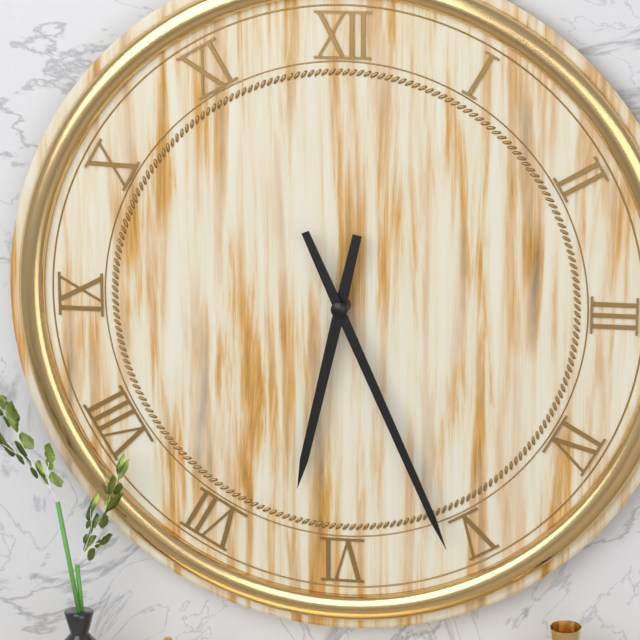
{"hour": 6, "minute": 26}
